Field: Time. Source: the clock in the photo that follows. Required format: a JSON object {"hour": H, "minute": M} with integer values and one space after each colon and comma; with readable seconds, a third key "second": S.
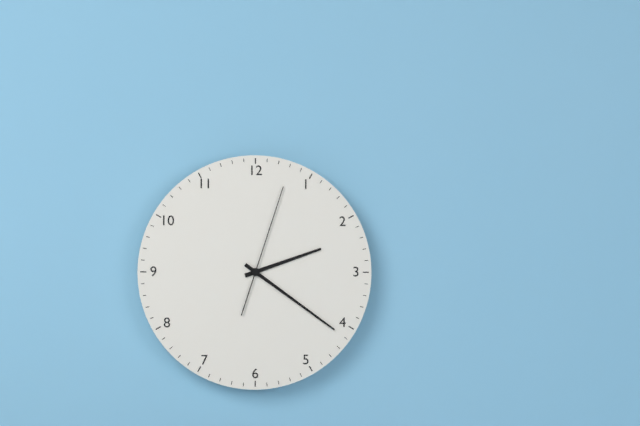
{"hour": 2, "minute": 21, "second": 3}
